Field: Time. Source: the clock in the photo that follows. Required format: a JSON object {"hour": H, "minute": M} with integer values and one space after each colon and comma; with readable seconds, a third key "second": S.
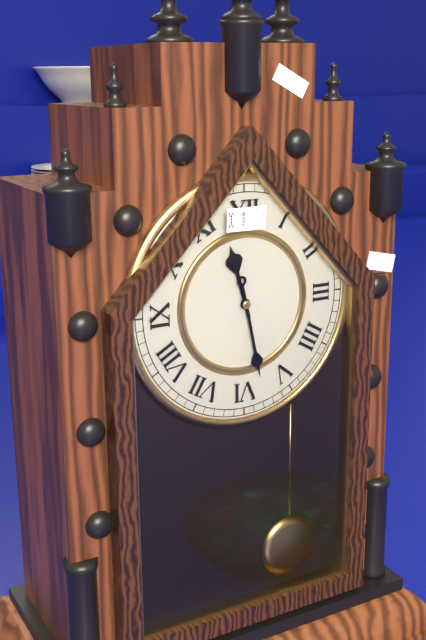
{"hour": 11, "minute": 28}
